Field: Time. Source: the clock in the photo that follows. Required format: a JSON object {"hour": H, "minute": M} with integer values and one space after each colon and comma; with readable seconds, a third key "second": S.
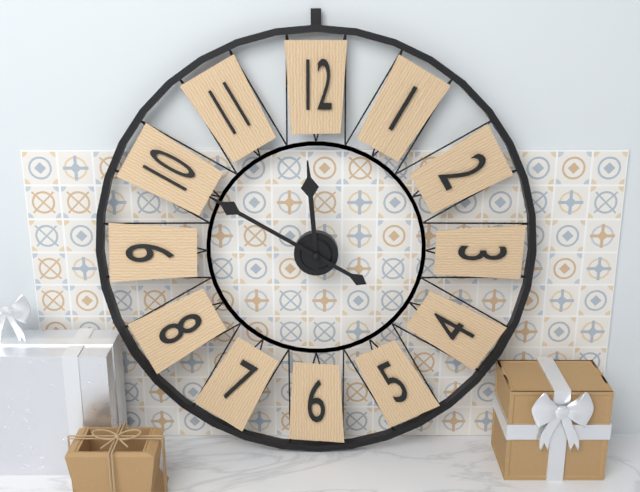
{"hour": 11, "minute": 50}
